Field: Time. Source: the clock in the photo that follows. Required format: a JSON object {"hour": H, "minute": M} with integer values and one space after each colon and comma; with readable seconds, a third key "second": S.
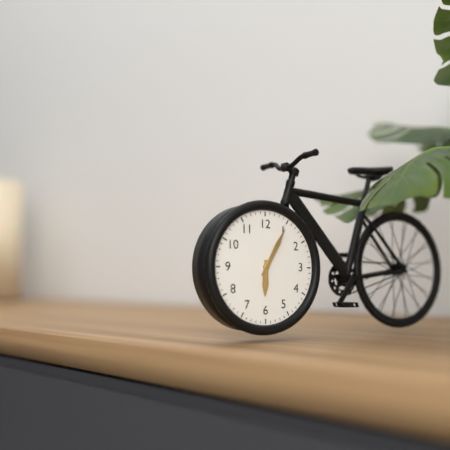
{"hour": 6, "minute": 5}
